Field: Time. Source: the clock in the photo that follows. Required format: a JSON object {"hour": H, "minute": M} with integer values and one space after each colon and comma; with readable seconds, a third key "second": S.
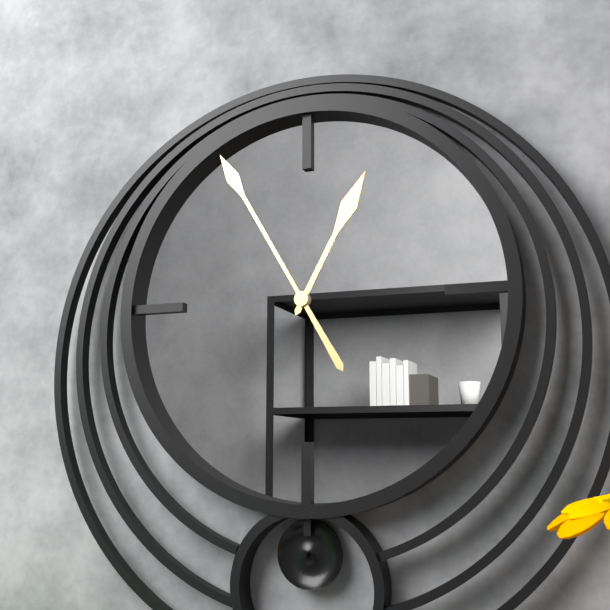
{"hour": 12, "minute": 55}
